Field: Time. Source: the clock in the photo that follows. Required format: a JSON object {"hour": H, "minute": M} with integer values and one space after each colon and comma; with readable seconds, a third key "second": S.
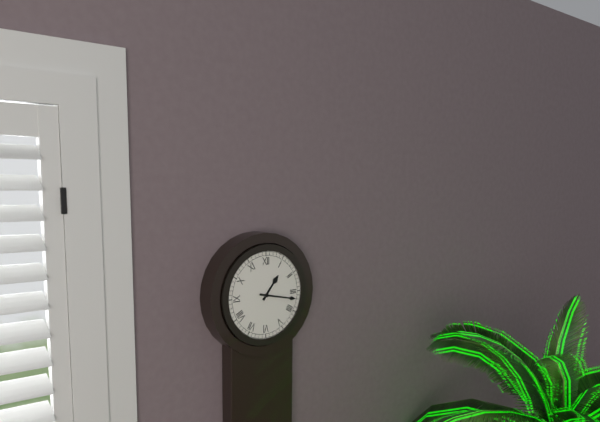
{"hour": 1, "minute": 17}
